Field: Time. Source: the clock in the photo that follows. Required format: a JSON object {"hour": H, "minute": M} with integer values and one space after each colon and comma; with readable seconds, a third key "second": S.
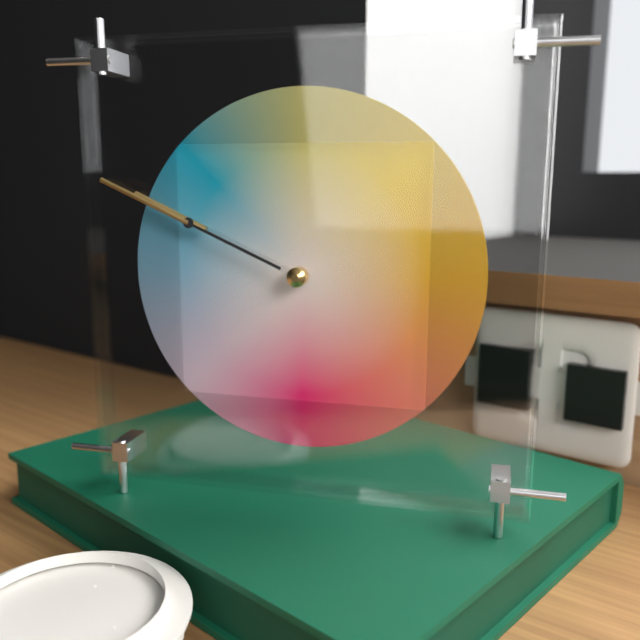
{"hour": 9, "minute": 49}
